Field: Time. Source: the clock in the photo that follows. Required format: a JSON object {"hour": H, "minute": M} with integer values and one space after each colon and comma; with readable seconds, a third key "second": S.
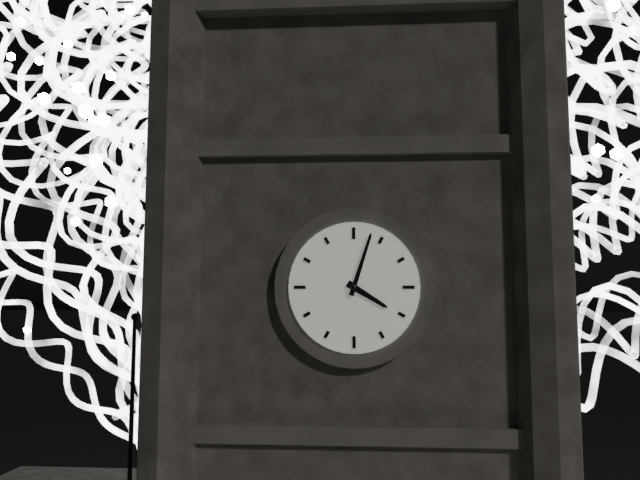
{"hour": 4, "minute": 3}
